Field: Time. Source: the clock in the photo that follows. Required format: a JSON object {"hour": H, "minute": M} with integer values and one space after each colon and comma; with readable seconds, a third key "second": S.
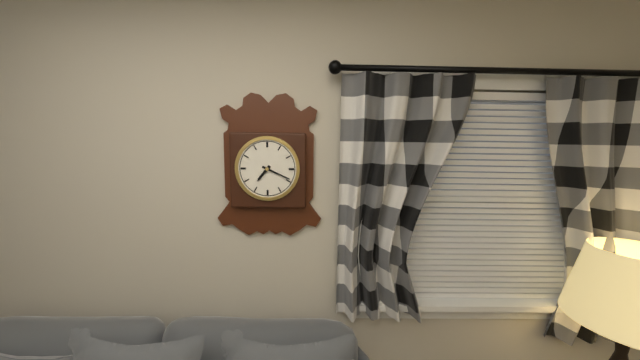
{"hour": 7, "minute": 19}
